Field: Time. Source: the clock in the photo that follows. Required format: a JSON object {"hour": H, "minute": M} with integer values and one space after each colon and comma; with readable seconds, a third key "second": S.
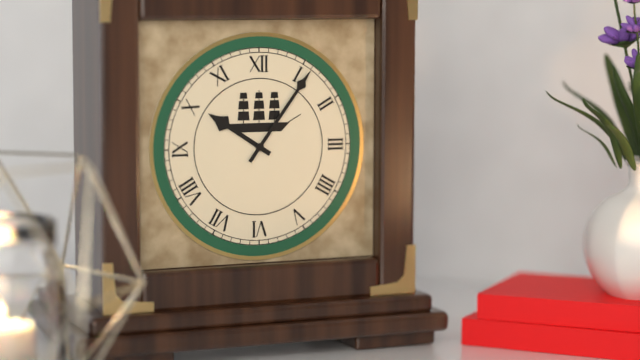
{"hour": 10, "minute": 6}
